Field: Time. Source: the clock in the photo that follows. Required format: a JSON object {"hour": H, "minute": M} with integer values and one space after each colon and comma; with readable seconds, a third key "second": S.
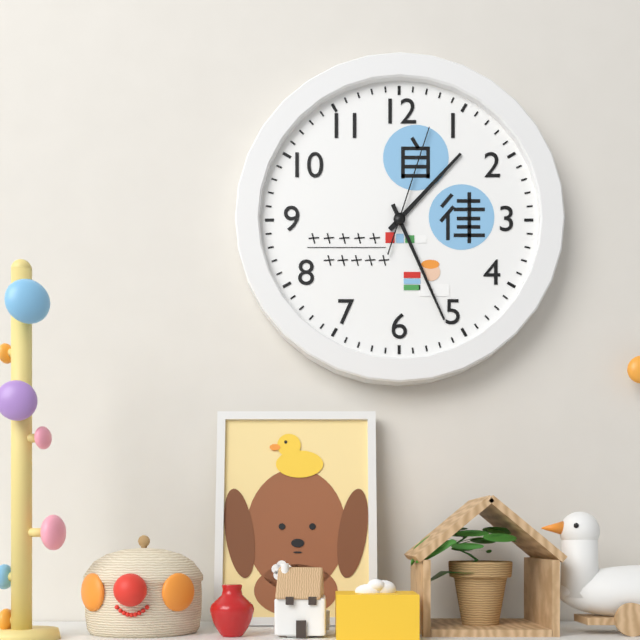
{"hour": 1, "minute": 26, "second": 3}
